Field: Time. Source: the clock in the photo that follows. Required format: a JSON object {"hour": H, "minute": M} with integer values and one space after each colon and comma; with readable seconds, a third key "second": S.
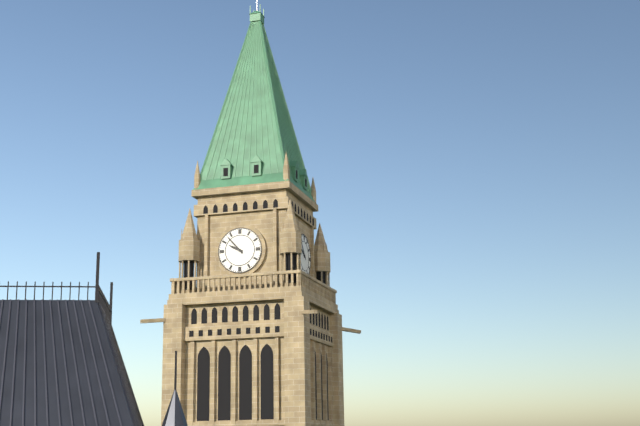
{"hour": 9, "minute": 53}
